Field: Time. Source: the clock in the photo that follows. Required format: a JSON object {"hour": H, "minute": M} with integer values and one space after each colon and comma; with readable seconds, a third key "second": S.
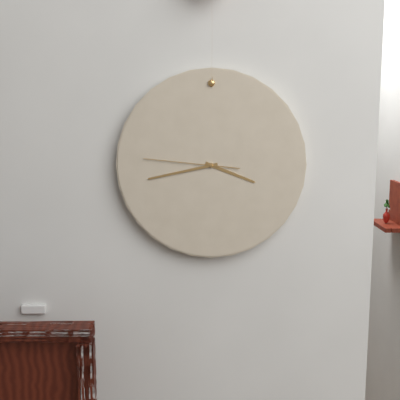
{"hour": 3, "minute": 43, "second": 46}
